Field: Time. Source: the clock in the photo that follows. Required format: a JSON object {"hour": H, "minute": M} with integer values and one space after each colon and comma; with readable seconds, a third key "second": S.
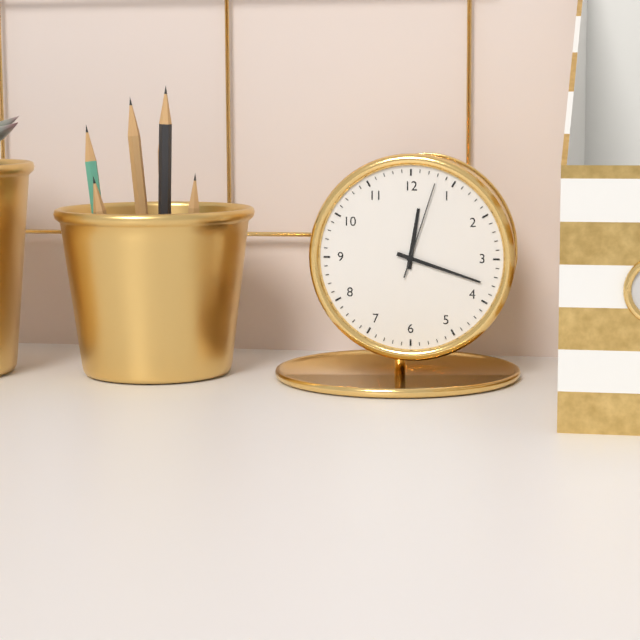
{"hour": 12, "minute": 18, "second": 3}
